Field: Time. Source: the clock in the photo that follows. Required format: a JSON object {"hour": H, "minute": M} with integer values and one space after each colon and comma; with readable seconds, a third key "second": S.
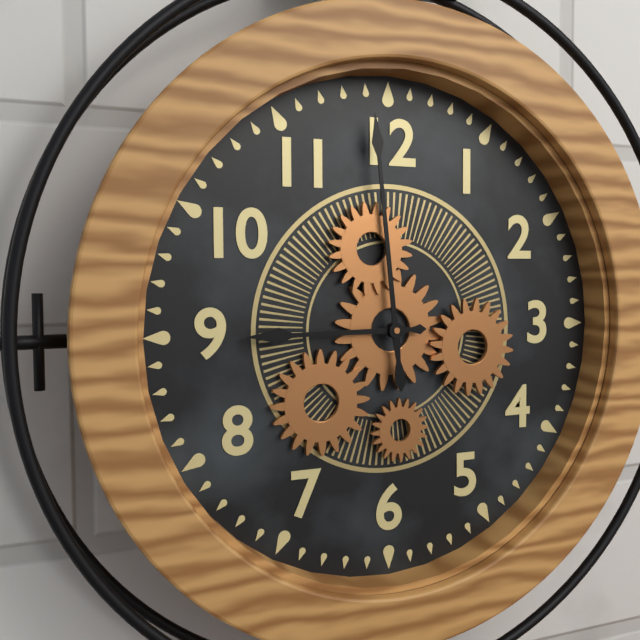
{"hour": 8, "minute": 59}
